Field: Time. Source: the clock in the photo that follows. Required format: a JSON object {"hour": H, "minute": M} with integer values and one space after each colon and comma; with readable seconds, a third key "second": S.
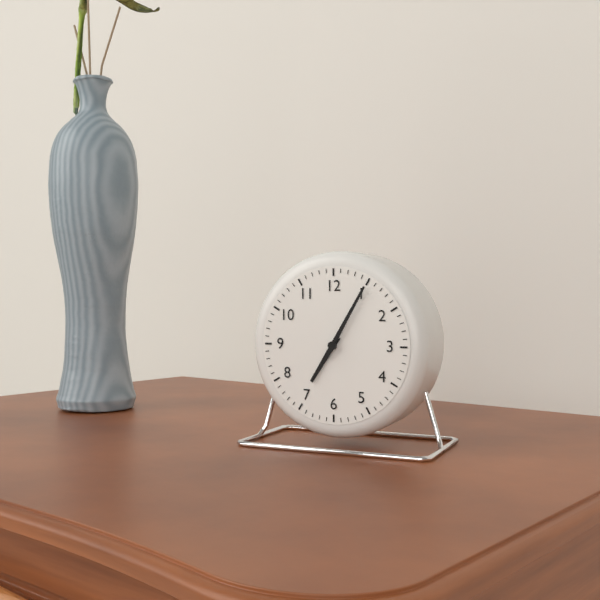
{"hour": 7, "minute": 5}
